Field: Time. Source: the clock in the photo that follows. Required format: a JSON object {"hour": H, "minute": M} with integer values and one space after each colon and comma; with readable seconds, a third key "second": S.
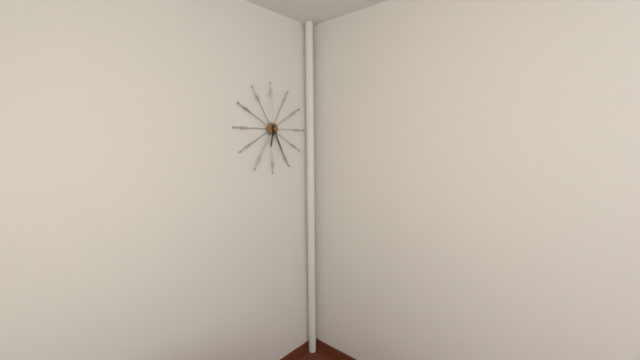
{"hour": 6, "minute": 26}
